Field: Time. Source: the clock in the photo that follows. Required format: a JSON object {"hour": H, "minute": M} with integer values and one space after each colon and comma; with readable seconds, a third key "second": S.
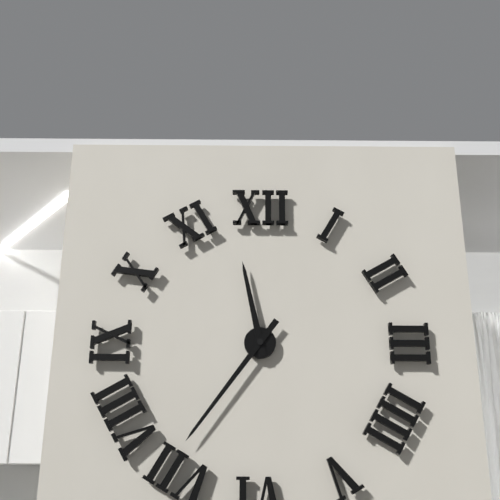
{"hour": 11, "minute": 36}
